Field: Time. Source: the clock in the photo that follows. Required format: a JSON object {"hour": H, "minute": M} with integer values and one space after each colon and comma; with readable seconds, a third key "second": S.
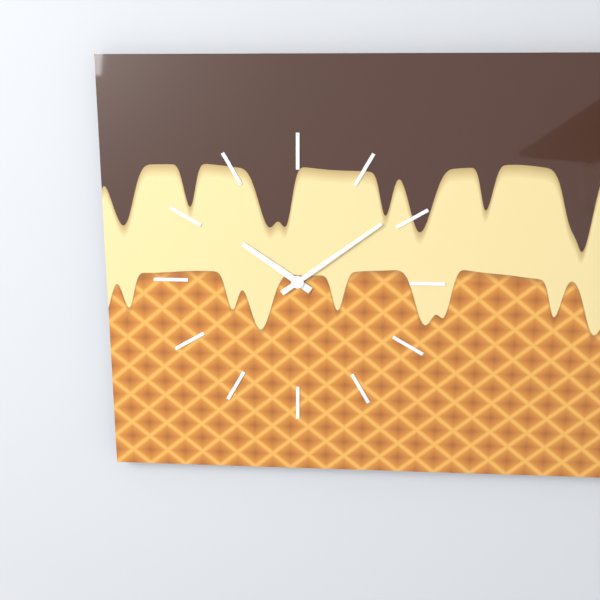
{"hour": 10, "minute": 9}
